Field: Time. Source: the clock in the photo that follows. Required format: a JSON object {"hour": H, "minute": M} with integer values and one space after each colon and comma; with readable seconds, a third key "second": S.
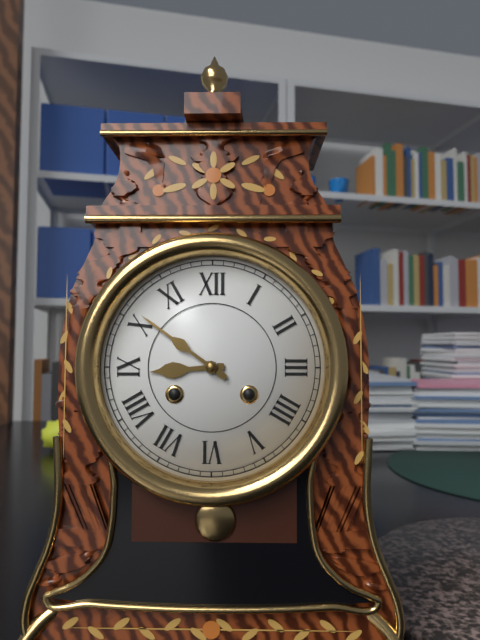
{"hour": 8, "minute": 51}
